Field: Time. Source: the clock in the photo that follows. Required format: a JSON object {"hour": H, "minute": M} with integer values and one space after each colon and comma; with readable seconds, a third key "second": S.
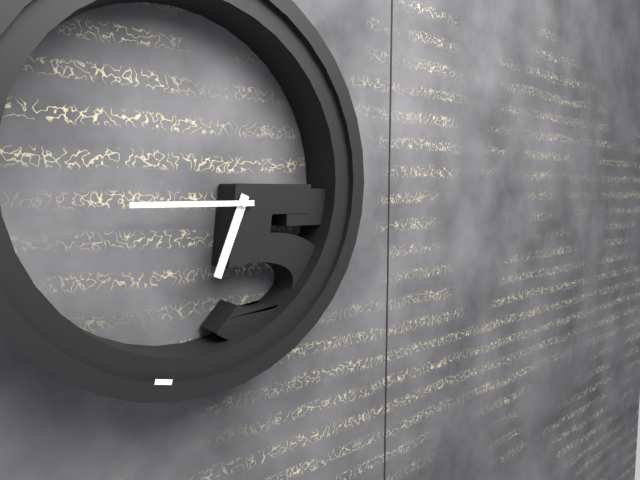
{"hour": 6, "minute": 45}
